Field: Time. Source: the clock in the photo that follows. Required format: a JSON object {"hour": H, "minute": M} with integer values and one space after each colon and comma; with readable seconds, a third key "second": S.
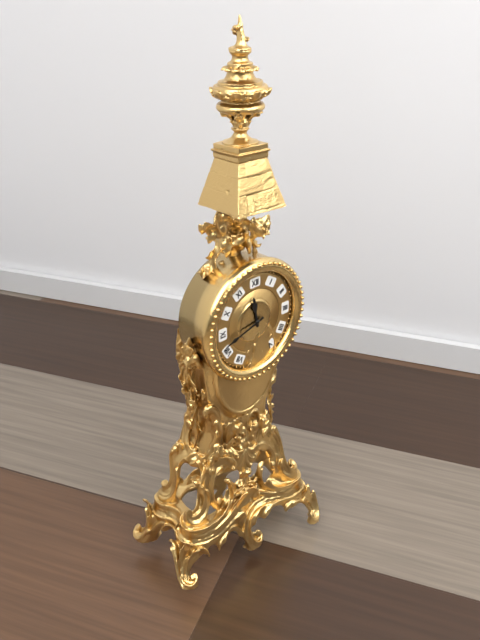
{"hour": 11, "minute": 42}
